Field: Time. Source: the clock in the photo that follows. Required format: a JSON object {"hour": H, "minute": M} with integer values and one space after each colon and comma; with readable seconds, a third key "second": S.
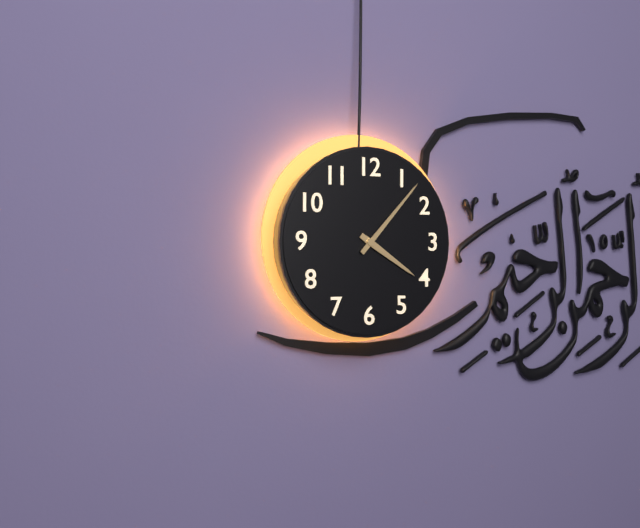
{"hour": 4, "minute": 7}
